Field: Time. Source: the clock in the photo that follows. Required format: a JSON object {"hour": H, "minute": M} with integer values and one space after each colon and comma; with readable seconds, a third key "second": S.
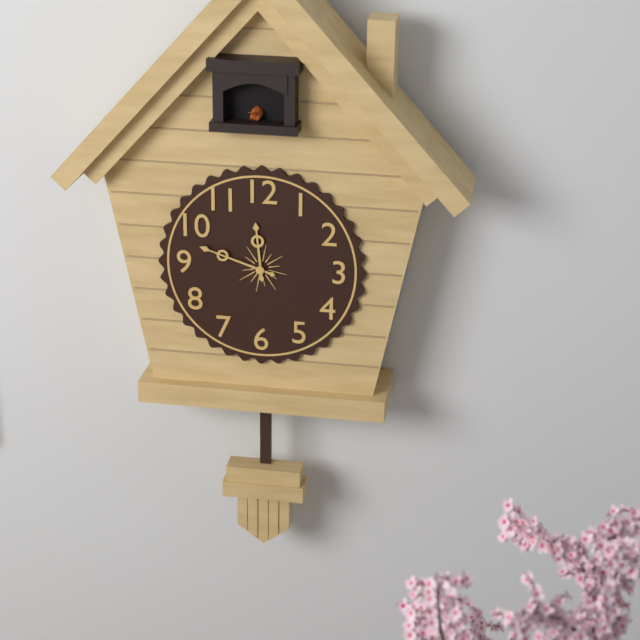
{"hour": 11, "minute": 48}
